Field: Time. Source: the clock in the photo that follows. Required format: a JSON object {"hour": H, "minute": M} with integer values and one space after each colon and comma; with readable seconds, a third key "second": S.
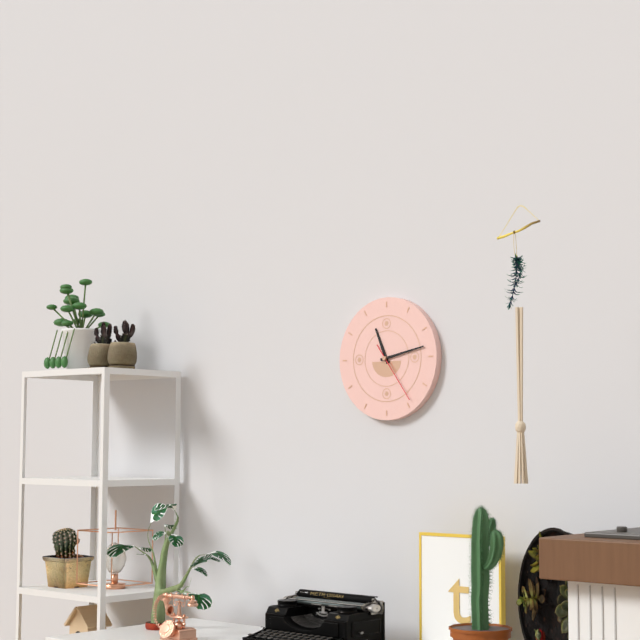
{"hour": 11, "minute": 13, "second": 24}
